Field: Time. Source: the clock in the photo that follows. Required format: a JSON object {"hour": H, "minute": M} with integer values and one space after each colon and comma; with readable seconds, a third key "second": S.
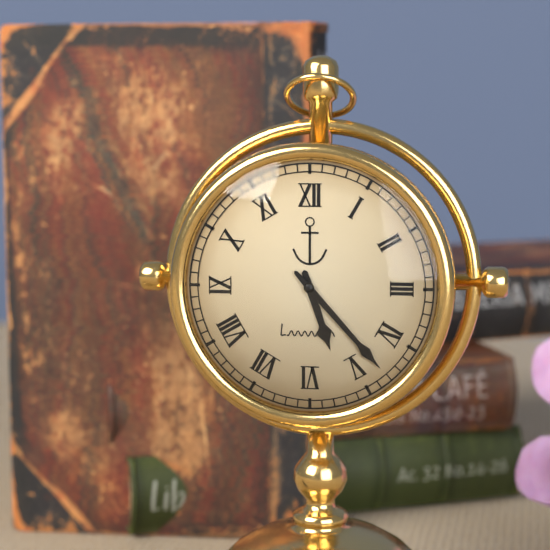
{"hour": 5, "minute": 23}
